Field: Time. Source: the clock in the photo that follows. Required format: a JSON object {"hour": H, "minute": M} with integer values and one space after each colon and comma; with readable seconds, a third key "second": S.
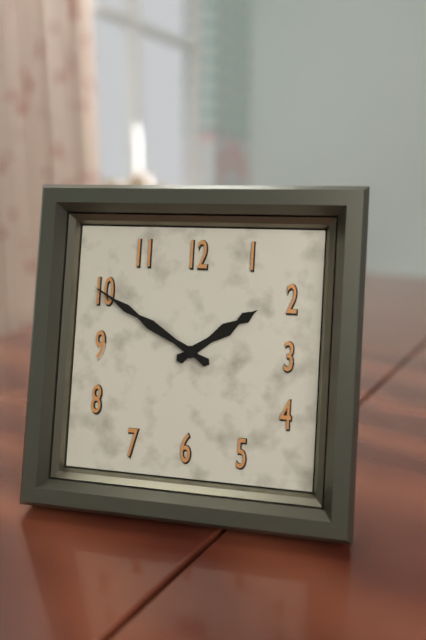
{"hour": 1, "minute": 50}
